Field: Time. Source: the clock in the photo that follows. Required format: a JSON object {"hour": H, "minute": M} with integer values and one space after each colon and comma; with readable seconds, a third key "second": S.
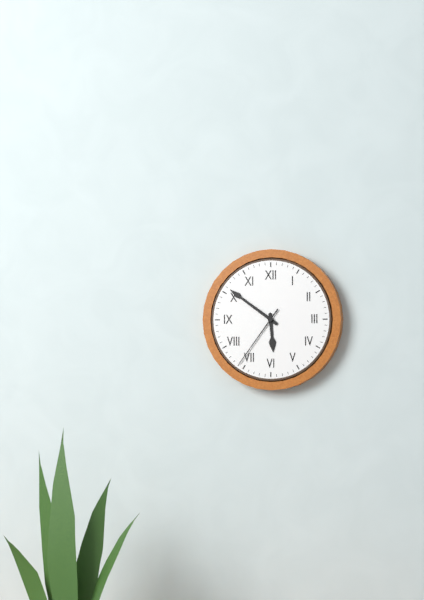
{"hour": 5, "minute": 51, "second": 36}
